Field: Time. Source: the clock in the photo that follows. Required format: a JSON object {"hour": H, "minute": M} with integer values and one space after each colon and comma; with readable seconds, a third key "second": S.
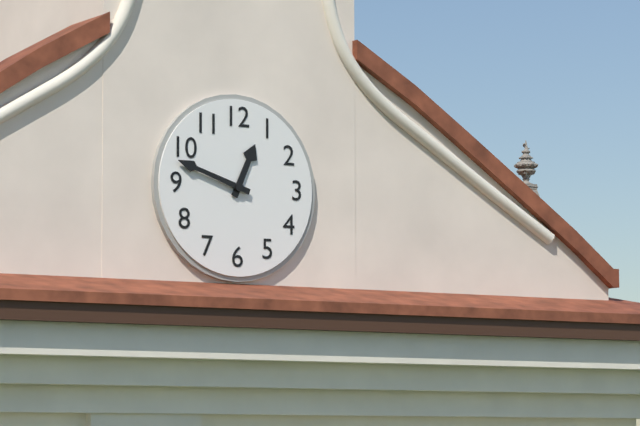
{"hour": 12, "minute": 48}
